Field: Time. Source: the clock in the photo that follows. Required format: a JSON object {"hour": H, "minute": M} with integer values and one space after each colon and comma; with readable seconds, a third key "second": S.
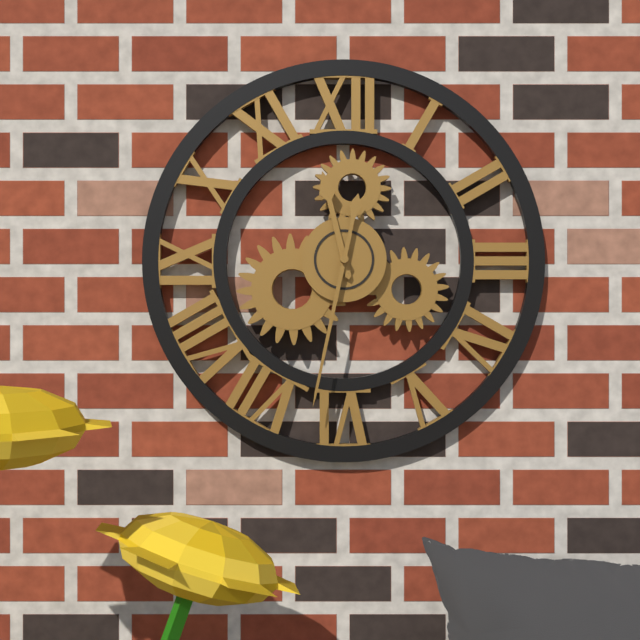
{"hour": 11, "minute": 32}
